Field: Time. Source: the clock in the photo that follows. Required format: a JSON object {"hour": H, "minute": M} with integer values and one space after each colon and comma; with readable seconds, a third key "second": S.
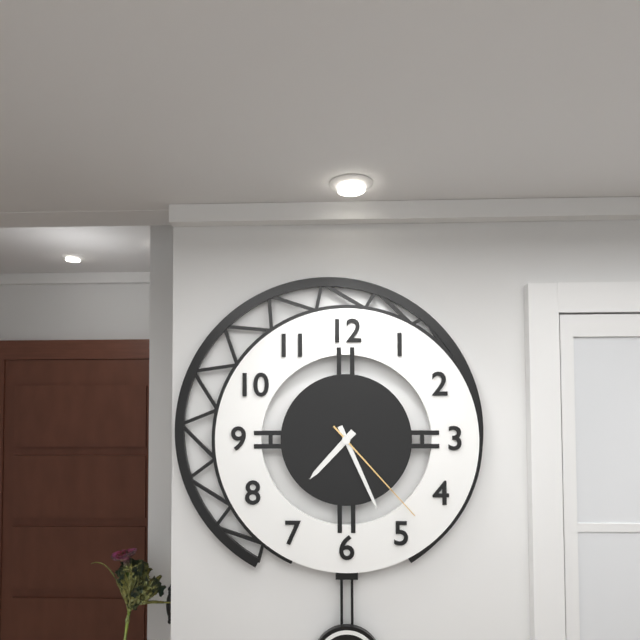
{"hour": 7, "minute": 26, "second": 23}
